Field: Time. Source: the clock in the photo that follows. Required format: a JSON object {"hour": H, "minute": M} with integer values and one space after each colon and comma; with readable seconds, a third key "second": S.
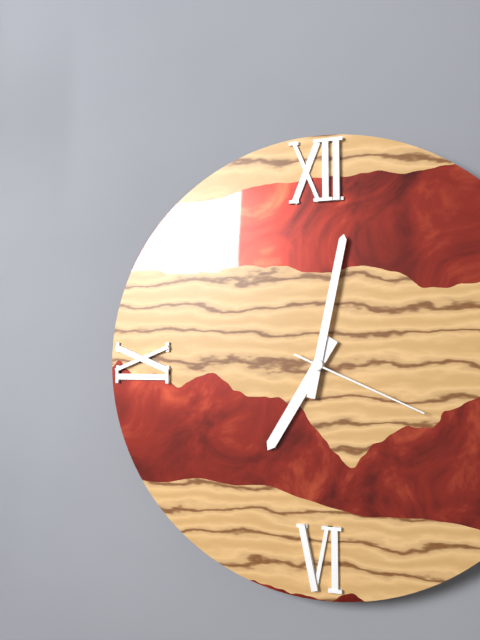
{"hour": 7, "minute": 2, "second": 19}
